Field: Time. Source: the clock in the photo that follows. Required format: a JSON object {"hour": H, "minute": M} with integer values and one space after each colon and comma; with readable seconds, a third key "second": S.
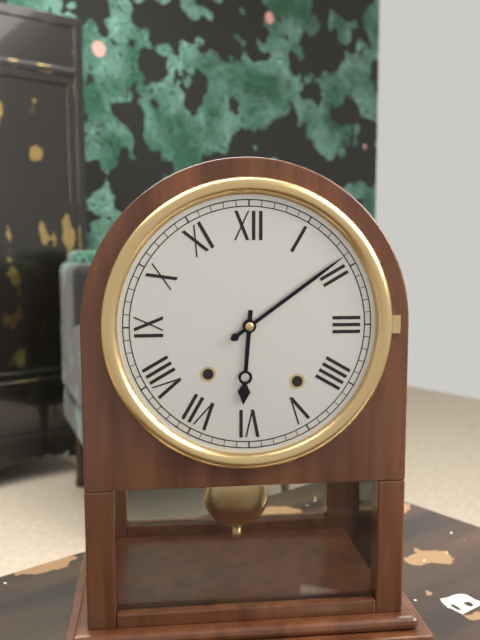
{"hour": 6, "minute": 9}
